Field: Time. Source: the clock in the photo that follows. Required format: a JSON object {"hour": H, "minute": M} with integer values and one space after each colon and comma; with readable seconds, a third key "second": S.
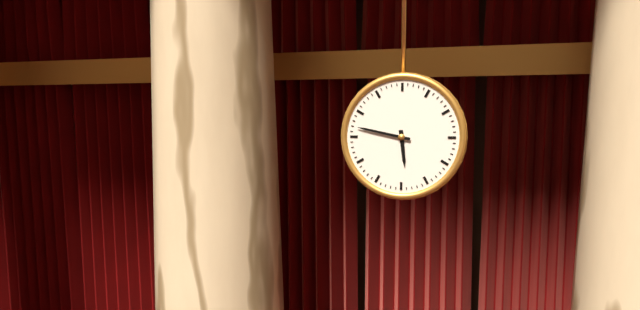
{"hour": 5, "minute": 47}
